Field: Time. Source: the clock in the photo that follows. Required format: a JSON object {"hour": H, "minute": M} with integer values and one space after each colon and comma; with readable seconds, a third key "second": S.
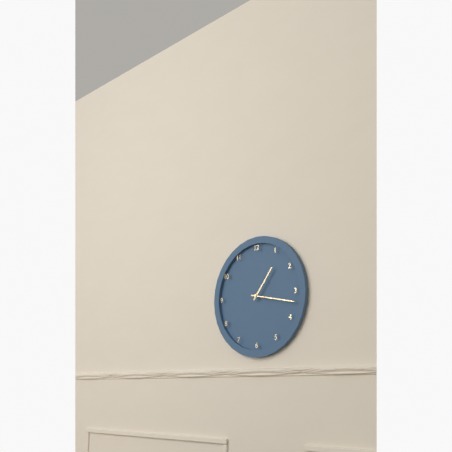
{"hour": 1, "minute": 17}
